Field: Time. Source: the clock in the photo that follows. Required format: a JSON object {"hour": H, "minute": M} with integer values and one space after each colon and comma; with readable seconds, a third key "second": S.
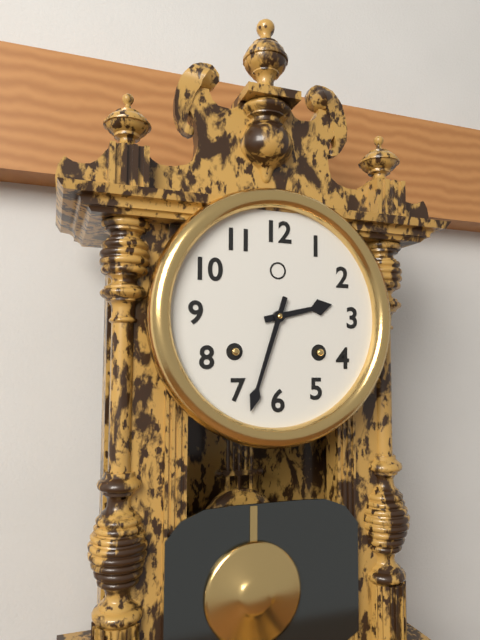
{"hour": 2, "minute": 33}
